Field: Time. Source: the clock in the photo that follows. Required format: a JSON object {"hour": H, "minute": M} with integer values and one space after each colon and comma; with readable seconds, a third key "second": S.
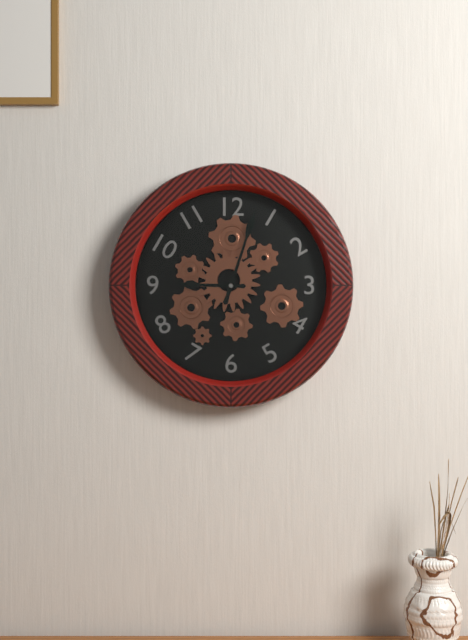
{"hour": 9, "minute": 3}
